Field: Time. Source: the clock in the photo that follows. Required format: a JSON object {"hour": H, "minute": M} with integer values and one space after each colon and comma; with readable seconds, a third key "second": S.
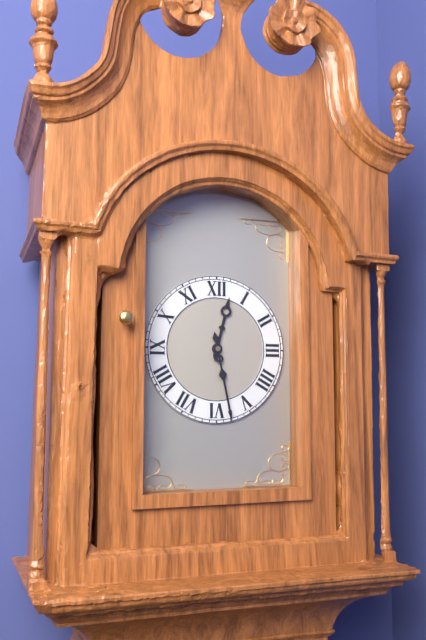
{"hour": 12, "minute": 28}
